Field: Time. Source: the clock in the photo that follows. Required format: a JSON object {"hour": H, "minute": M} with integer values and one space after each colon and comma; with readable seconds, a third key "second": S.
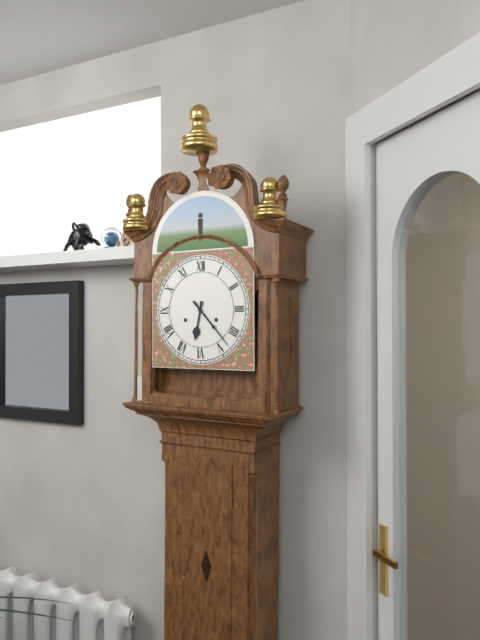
{"hour": 6, "minute": 23}
